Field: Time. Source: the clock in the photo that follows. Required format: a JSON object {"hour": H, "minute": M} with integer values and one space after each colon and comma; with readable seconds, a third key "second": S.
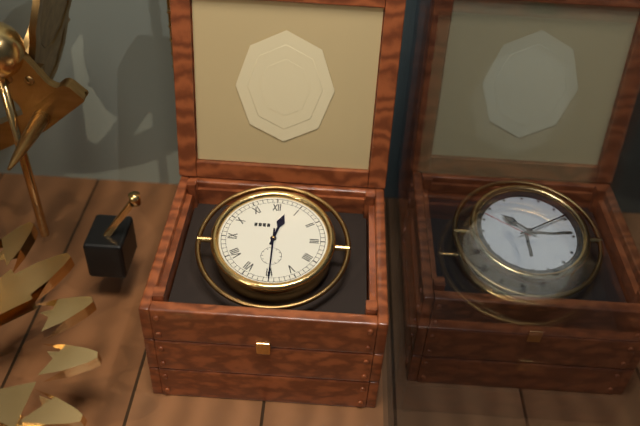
{"hour": 12, "minute": 30}
